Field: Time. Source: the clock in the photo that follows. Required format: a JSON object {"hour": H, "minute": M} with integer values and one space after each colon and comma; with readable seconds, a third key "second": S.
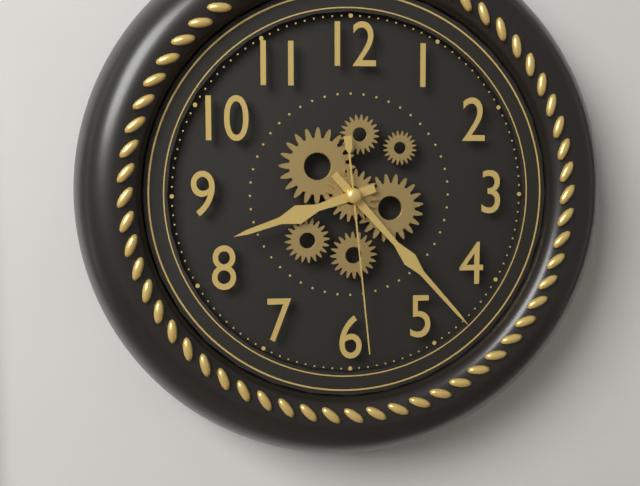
{"hour": 8, "minute": 23, "second": 29}
